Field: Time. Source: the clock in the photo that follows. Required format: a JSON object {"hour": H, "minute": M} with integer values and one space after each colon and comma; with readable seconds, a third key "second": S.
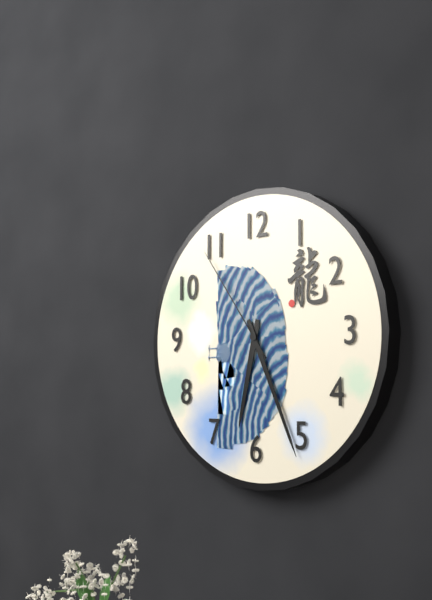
{"hour": 6, "minute": 26, "second": 54}
